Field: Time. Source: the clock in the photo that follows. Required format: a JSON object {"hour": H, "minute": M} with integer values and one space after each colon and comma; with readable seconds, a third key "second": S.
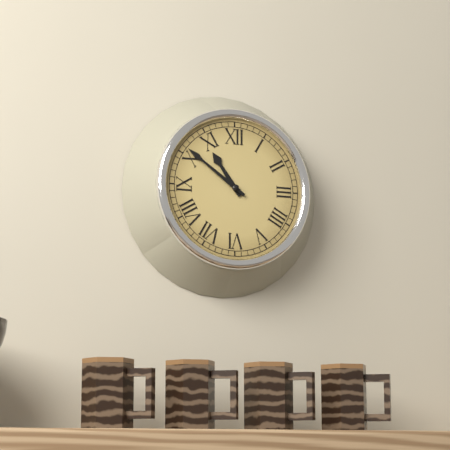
{"hour": 10, "minute": 51}
